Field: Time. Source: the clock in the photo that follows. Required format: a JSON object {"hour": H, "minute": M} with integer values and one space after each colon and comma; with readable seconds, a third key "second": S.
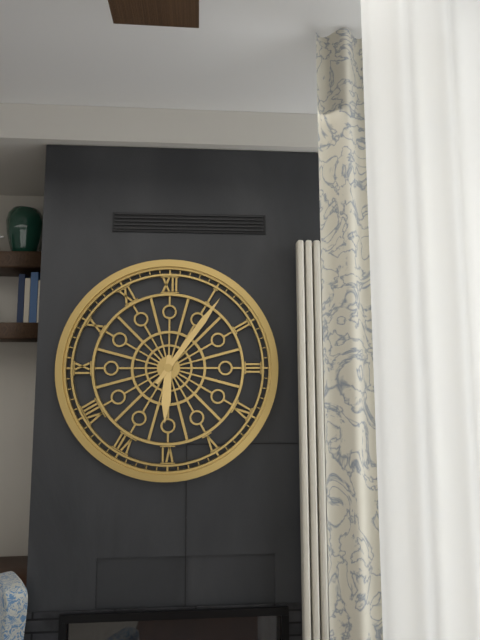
{"hour": 6, "minute": 6}
